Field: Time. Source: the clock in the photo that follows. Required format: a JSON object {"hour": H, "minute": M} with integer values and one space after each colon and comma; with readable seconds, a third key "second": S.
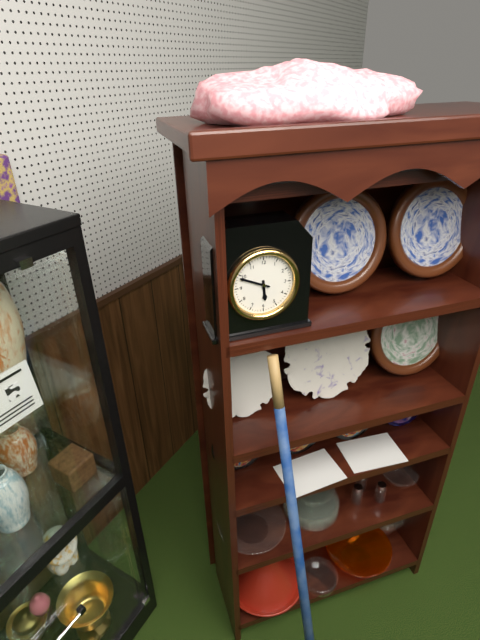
{"hour": 5, "minute": 49}
